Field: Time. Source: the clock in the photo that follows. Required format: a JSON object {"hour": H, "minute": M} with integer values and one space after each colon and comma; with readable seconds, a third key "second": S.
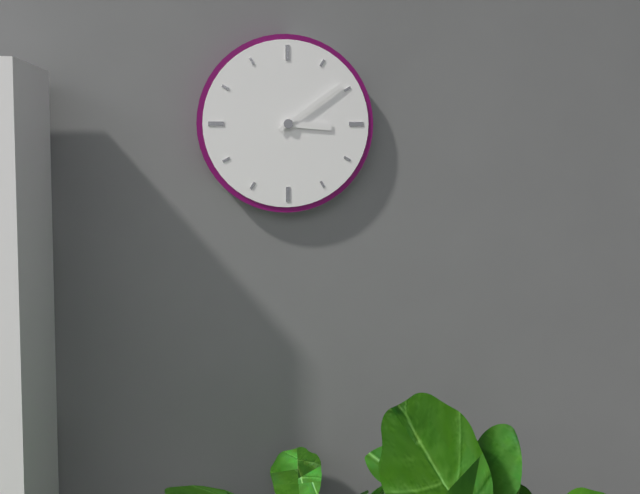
{"hour": 3, "minute": 9}
